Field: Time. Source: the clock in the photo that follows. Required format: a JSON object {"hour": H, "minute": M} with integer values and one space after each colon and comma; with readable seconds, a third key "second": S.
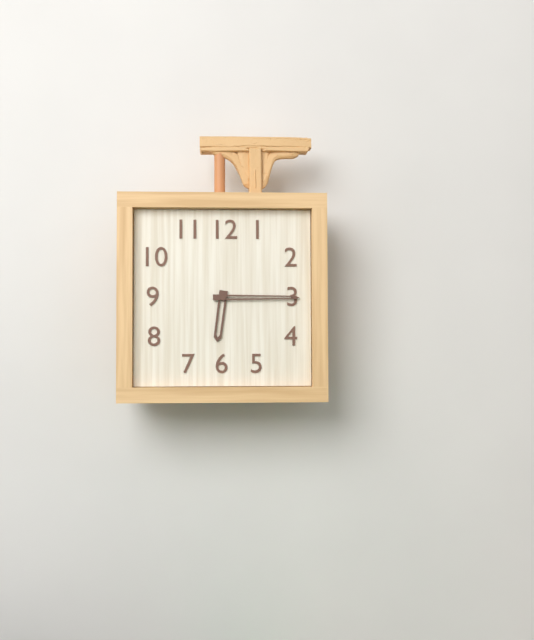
{"hour": 6, "minute": 15}
